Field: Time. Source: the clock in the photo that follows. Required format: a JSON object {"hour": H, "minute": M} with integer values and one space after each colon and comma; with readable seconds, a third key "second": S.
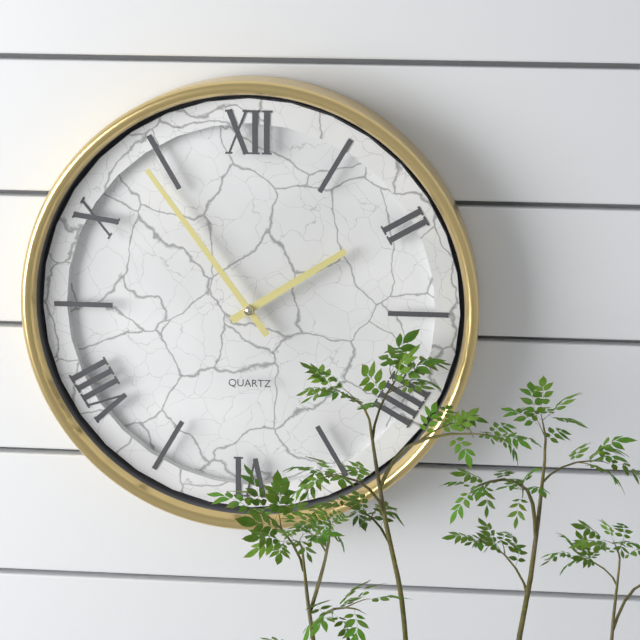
{"hour": 1, "minute": 54}
